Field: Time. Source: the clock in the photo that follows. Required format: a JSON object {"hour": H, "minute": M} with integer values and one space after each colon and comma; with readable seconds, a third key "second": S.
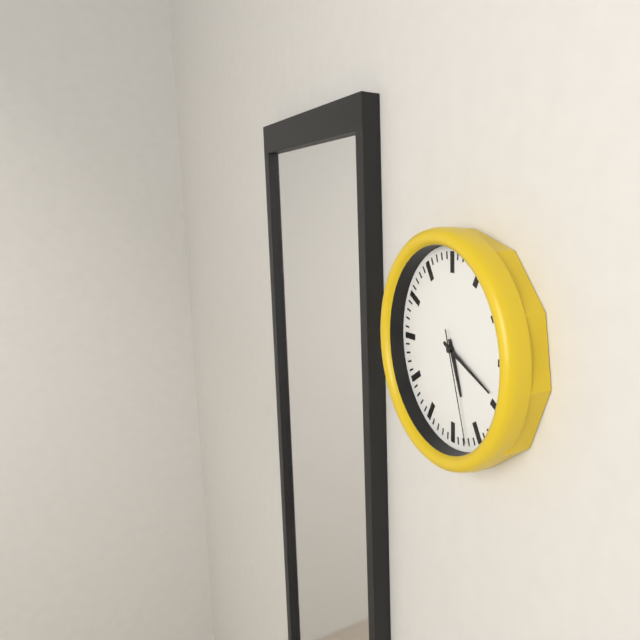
{"hour": 5, "minute": 19, "second": 27}
